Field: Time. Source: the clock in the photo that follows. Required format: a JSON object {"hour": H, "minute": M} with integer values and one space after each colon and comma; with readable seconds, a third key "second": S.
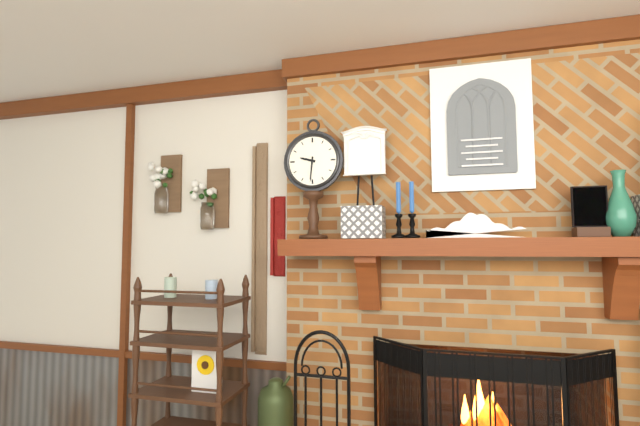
{"hour": 9, "minute": 31}
